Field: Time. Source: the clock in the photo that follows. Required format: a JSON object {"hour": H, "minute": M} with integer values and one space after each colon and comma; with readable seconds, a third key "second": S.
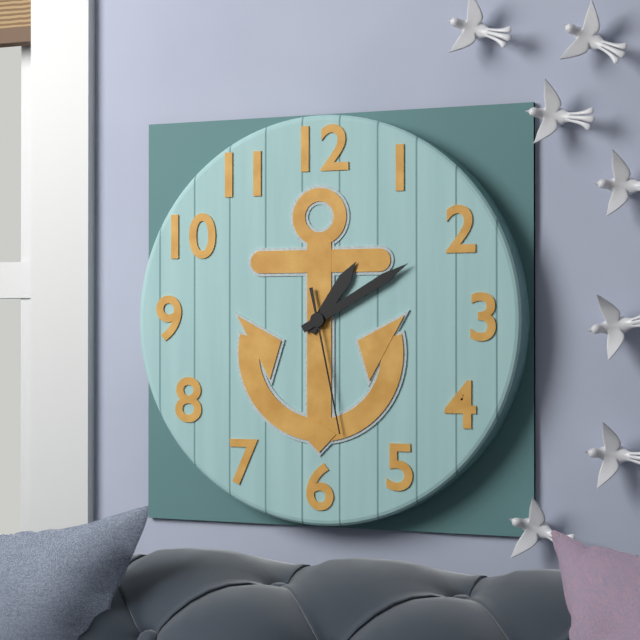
{"hour": 1, "minute": 10, "second": 28}
